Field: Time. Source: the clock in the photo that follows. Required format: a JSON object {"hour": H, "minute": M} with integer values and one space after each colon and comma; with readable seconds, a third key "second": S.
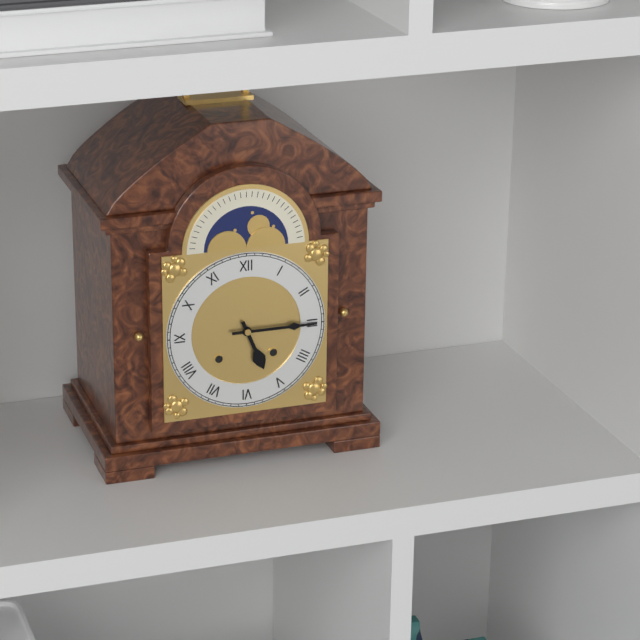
{"hour": 5, "minute": 15}
